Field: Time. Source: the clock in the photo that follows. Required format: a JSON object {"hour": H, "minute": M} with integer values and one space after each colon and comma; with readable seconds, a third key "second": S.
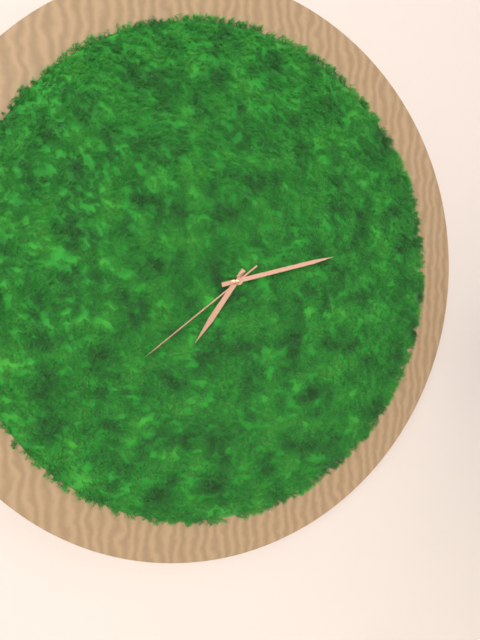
{"hour": 7, "minute": 13, "second": 39}
